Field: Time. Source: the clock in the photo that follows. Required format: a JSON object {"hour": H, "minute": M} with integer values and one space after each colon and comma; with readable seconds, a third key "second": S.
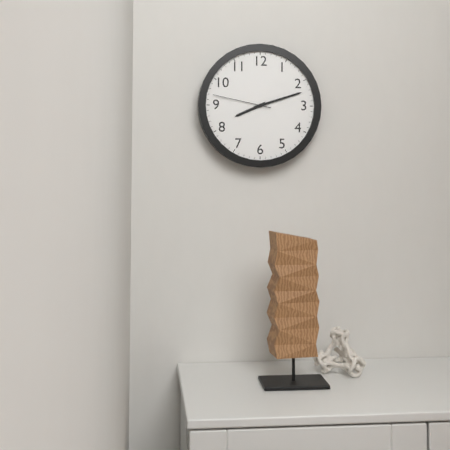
{"hour": 8, "minute": 12, "second": 47}
